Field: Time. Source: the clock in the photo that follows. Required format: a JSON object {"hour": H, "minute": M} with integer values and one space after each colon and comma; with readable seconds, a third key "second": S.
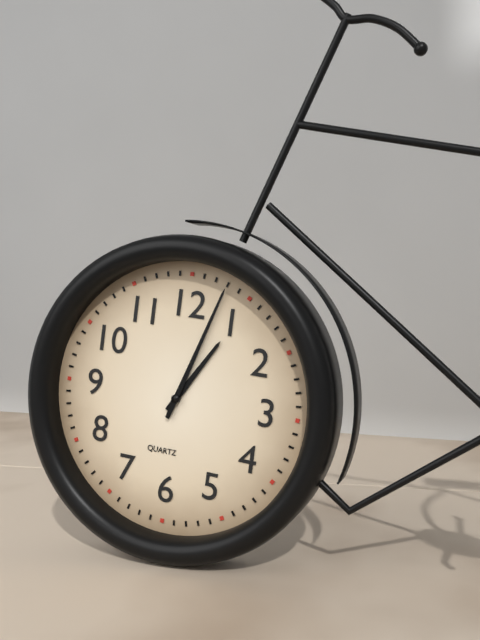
{"hour": 1, "minute": 3}
